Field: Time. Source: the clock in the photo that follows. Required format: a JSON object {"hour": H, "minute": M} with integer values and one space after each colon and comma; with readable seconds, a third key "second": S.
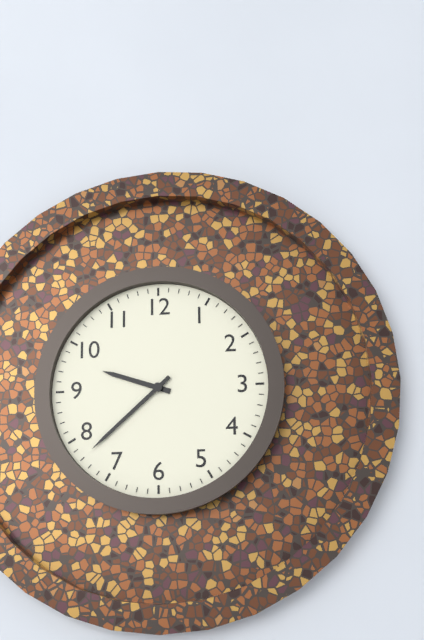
{"hour": 9, "minute": 38}
